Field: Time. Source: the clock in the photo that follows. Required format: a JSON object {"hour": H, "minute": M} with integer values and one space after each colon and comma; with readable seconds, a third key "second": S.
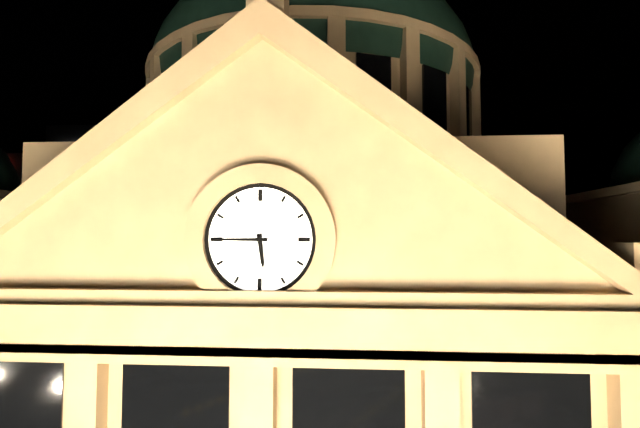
{"hour": 5, "minute": 45}
